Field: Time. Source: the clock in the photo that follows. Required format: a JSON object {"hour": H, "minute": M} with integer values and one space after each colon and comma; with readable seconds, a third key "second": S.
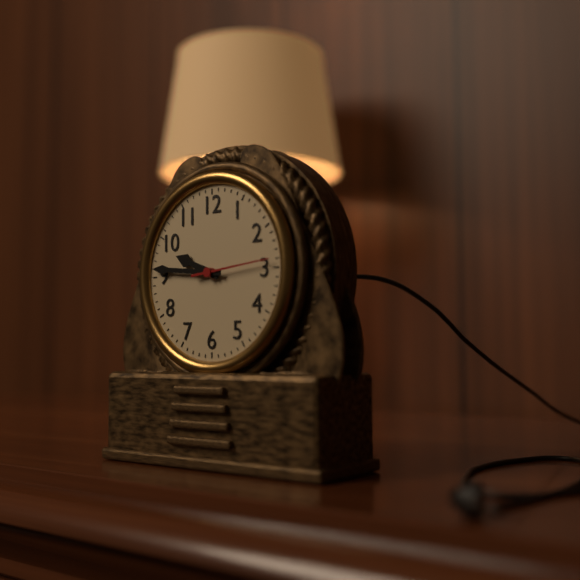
{"hour": 9, "minute": 46}
